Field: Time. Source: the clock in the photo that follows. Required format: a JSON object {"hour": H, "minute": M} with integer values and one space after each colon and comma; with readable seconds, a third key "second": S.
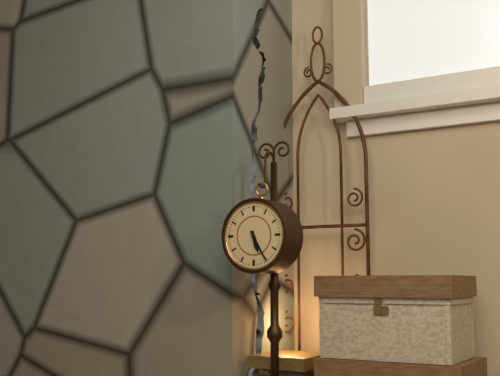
{"hour": 5, "minute": 25}
